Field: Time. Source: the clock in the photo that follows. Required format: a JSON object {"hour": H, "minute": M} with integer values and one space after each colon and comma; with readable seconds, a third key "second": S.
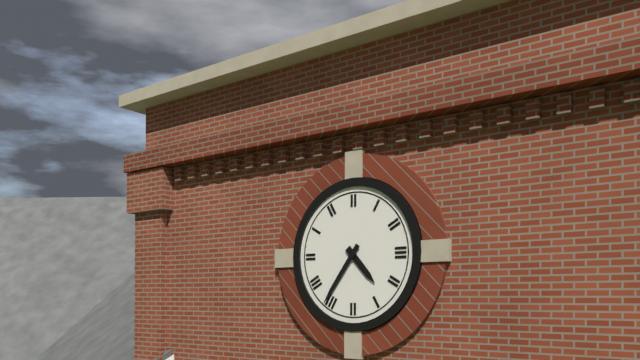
{"hour": 4, "minute": 36}
